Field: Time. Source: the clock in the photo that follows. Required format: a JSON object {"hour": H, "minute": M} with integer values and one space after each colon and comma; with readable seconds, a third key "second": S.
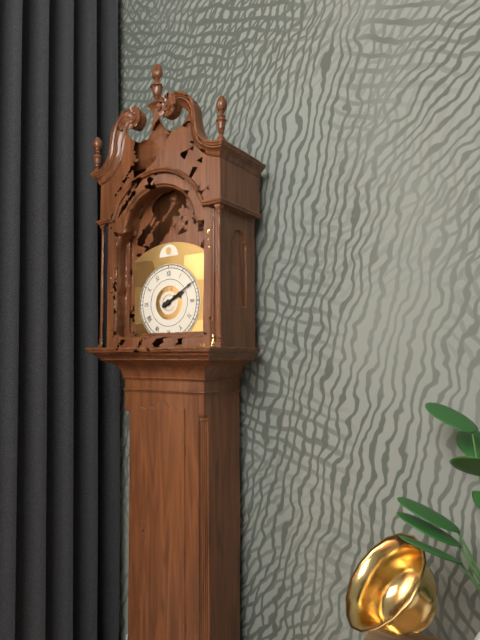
{"hour": 2, "minute": 10}
